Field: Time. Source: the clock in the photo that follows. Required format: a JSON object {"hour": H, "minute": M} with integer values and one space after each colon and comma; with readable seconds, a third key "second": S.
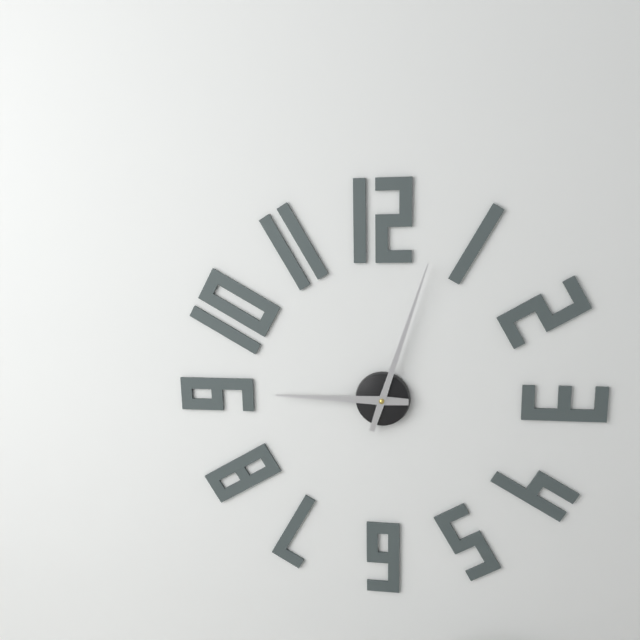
{"hour": 9, "minute": 3}
